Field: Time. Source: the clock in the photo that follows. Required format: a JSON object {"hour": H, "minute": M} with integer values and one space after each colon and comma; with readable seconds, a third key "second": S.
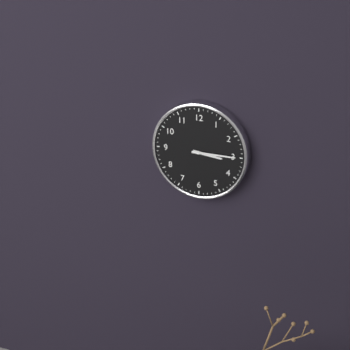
{"hour": 3, "minute": 15}
